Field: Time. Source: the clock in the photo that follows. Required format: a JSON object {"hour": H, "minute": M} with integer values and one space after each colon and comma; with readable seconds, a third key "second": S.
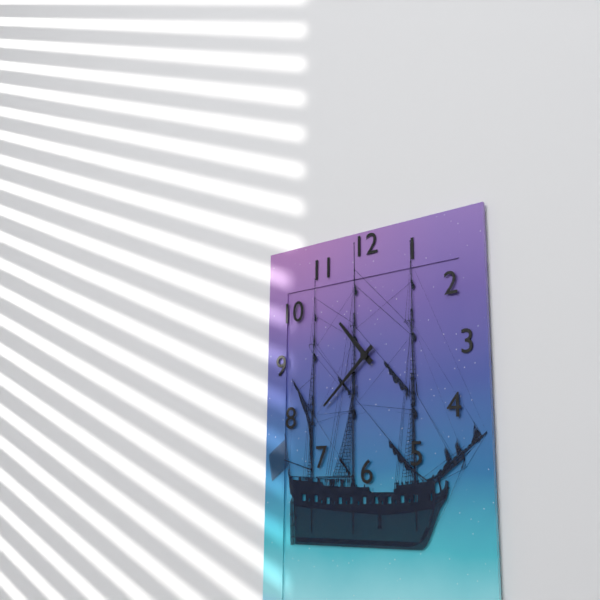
{"hour": 10, "minute": 38}
